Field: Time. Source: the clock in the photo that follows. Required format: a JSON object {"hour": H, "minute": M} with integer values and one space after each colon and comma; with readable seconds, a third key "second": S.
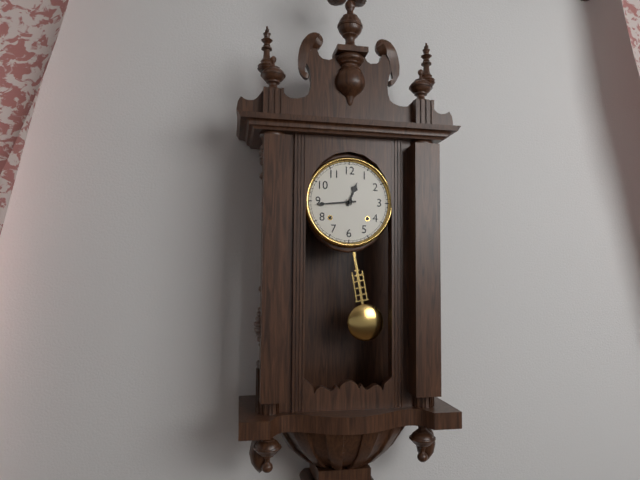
{"hour": 12, "minute": 44}
